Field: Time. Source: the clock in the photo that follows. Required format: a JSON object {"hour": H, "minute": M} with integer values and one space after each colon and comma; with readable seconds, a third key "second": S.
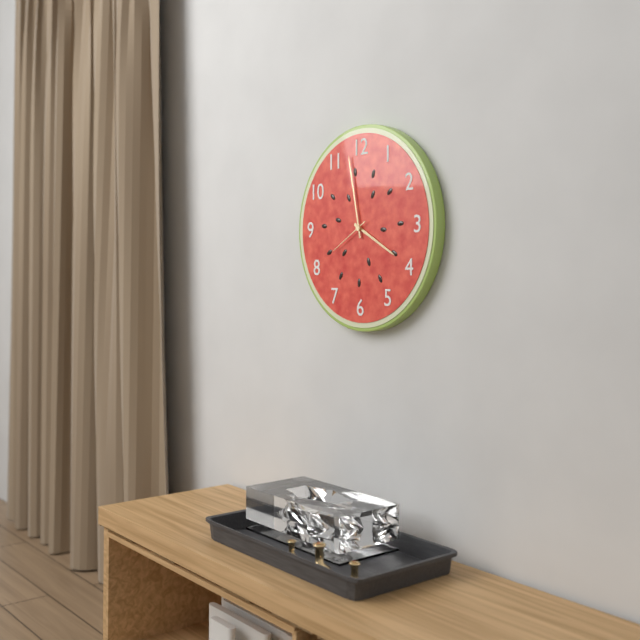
{"hour": 3, "minute": 58}
